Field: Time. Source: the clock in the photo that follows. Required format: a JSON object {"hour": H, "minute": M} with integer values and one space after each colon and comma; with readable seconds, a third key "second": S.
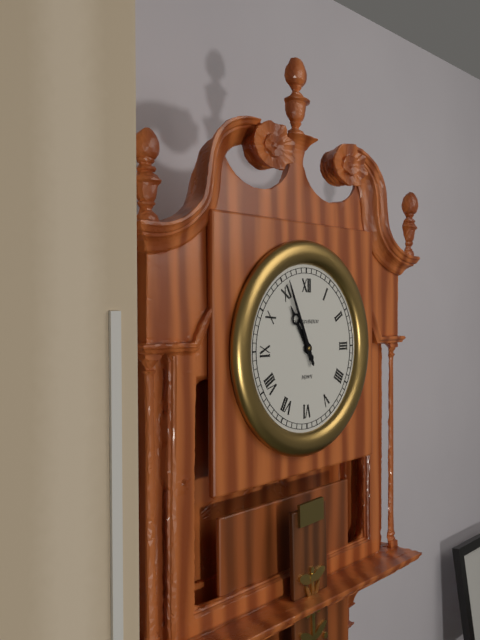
{"hour": 10, "minute": 56}
